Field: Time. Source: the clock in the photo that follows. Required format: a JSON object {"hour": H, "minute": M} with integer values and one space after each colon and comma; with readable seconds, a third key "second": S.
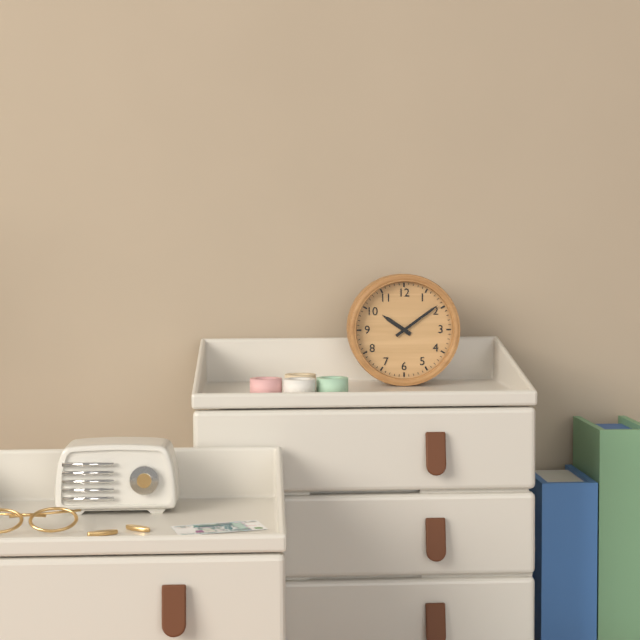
{"hour": 10, "minute": 9}
